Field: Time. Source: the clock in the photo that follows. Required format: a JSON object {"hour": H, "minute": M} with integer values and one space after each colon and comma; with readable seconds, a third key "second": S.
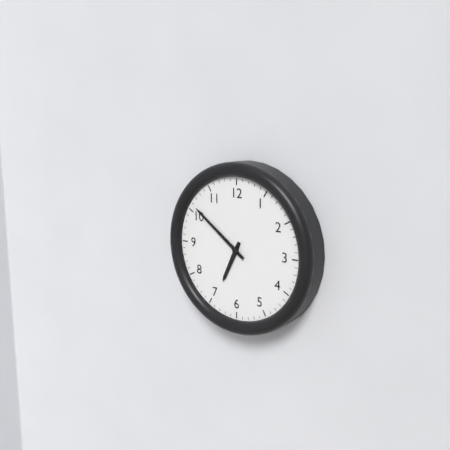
{"hour": 6, "minute": 51}
